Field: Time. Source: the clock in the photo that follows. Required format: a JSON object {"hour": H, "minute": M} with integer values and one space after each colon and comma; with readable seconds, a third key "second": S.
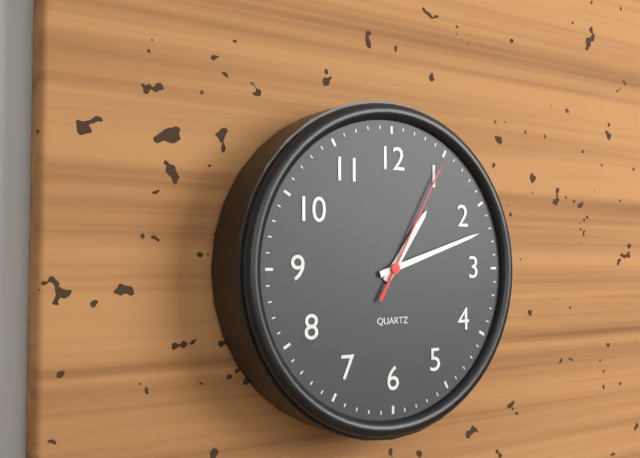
{"hour": 1, "minute": 12, "second": 5}
